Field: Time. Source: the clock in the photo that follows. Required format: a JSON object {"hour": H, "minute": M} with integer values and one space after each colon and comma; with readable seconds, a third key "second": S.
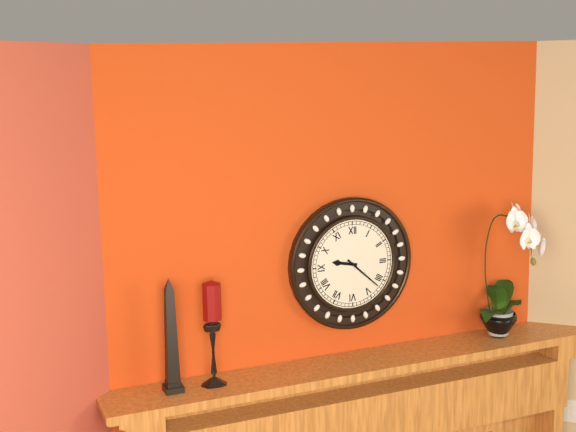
{"hour": 9, "minute": 22}
